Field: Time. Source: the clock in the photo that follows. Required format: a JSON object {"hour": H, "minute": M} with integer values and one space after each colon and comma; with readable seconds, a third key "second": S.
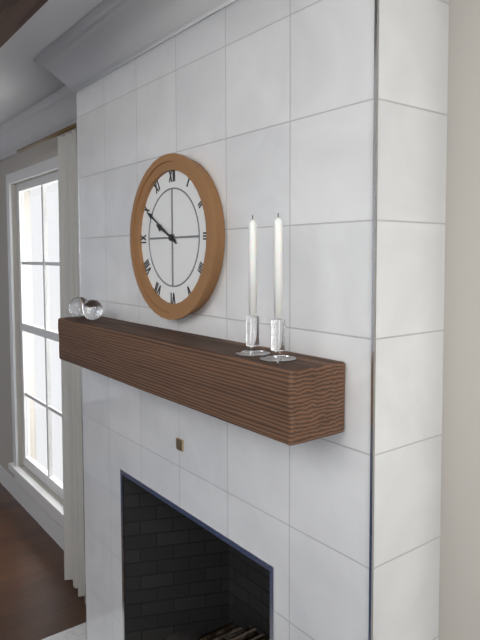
{"hour": 9, "minute": 50}
